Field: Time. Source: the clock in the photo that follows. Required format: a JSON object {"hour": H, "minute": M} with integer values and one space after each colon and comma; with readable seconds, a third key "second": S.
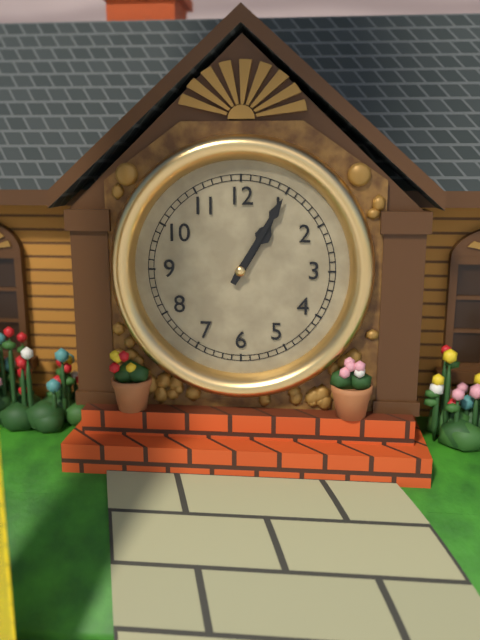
{"hour": 1, "minute": 5}
